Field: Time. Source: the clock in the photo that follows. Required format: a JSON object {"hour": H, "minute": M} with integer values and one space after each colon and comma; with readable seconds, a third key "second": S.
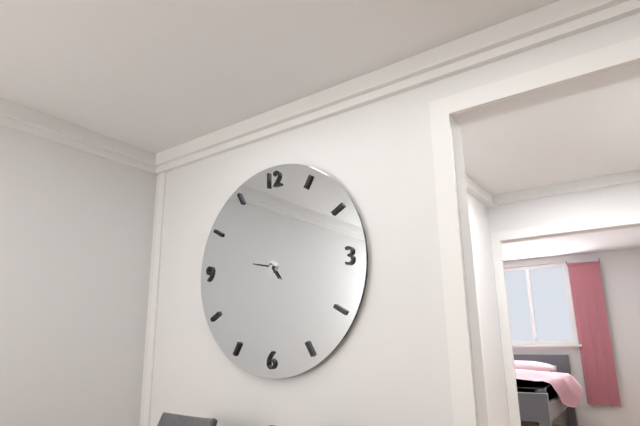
{"hour": 4, "minute": 47}
